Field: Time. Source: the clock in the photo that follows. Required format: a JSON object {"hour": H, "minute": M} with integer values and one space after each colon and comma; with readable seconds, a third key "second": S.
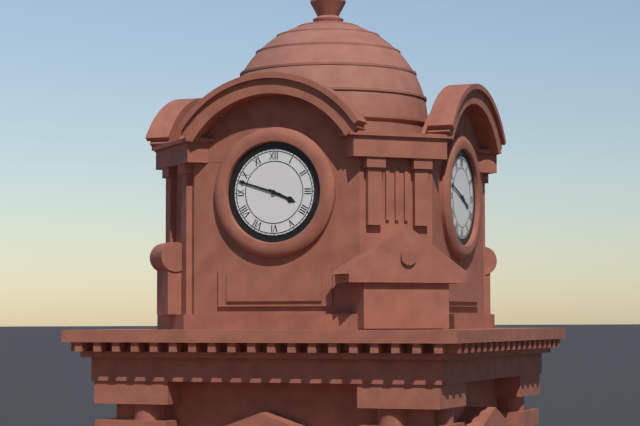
{"hour": 3, "minute": 48}
